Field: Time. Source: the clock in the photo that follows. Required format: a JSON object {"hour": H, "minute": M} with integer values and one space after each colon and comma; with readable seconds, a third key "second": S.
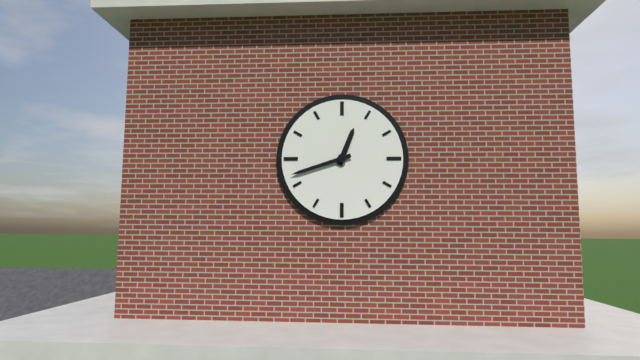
{"hour": 12, "minute": 42}
